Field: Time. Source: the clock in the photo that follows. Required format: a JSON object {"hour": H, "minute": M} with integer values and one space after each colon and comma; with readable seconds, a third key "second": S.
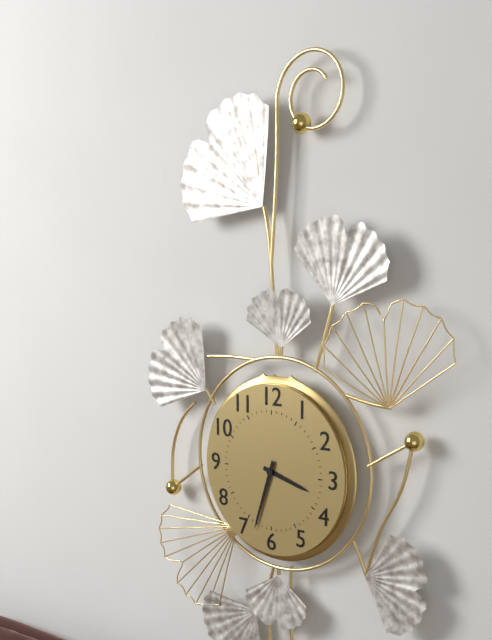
{"hour": 3, "minute": 33}
